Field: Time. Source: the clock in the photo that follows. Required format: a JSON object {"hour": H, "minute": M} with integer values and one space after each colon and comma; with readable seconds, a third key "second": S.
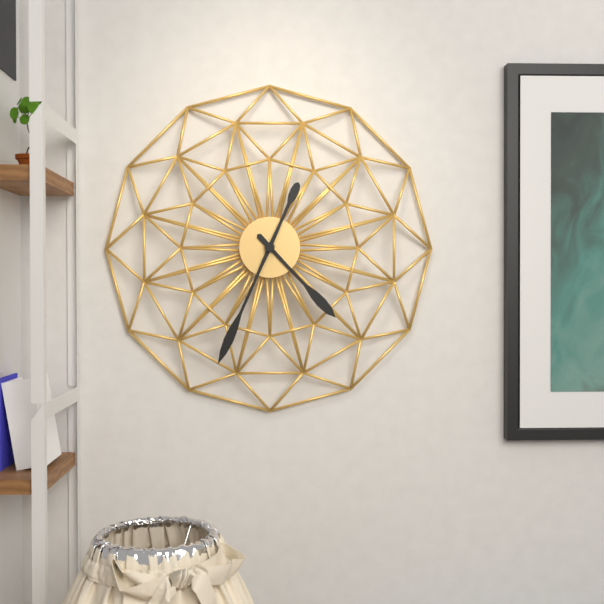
{"hour": 4, "minute": 34}
